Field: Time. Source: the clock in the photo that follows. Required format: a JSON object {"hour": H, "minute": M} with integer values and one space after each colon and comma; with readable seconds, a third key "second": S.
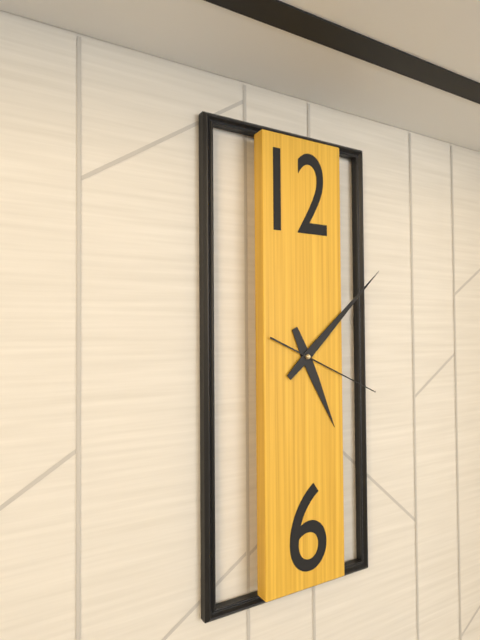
{"hour": 5, "minute": 8, "second": 19}
